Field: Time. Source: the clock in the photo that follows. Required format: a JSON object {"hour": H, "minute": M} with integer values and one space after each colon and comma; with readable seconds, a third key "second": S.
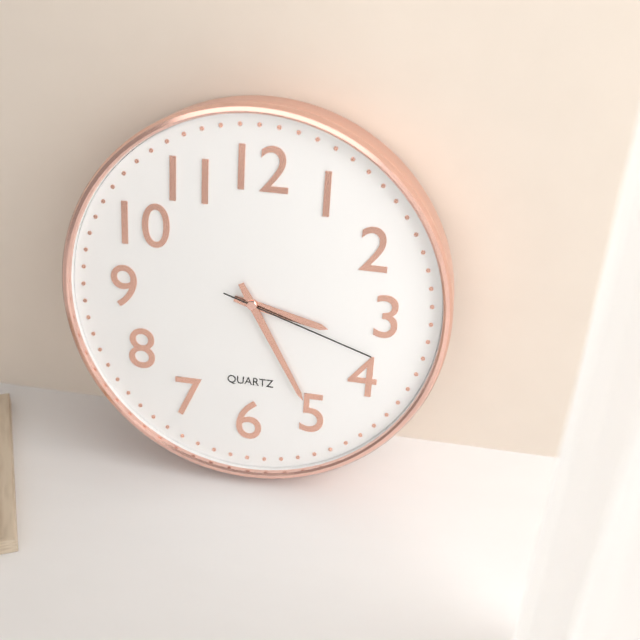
{"hour": 3, "minute": 25, "second": 18}
